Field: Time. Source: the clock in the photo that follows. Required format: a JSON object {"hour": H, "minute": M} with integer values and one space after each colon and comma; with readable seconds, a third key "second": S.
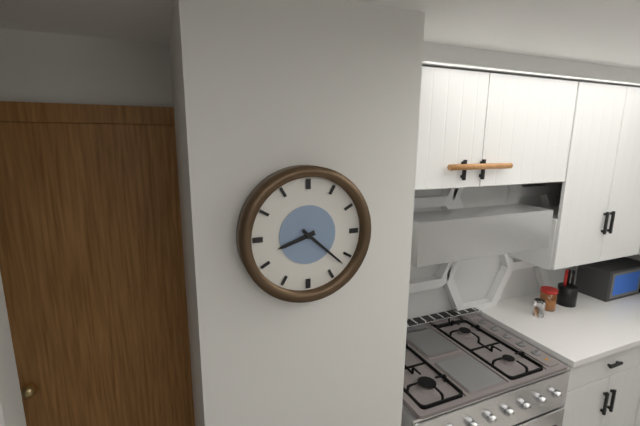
{"hour": 8, "minute": 22}
